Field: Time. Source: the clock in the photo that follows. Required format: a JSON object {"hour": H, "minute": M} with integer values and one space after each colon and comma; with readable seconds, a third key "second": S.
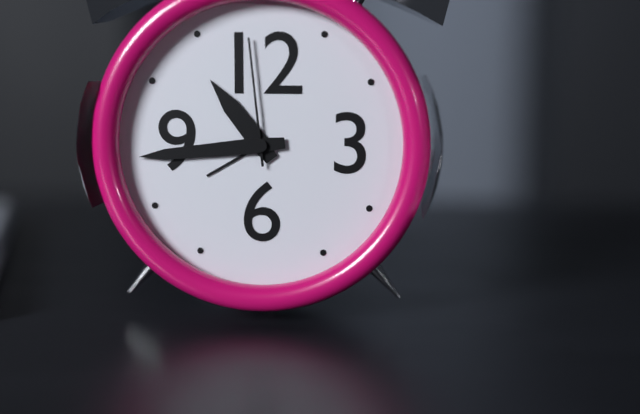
{"hour": 10, "minute": 44, "second": 59}
